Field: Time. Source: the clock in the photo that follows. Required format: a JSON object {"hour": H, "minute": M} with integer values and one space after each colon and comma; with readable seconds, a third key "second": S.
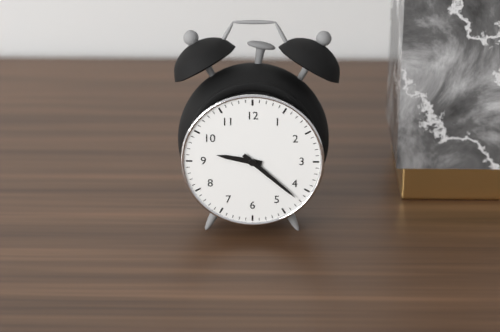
{"hour": 9, "minute": 22}
